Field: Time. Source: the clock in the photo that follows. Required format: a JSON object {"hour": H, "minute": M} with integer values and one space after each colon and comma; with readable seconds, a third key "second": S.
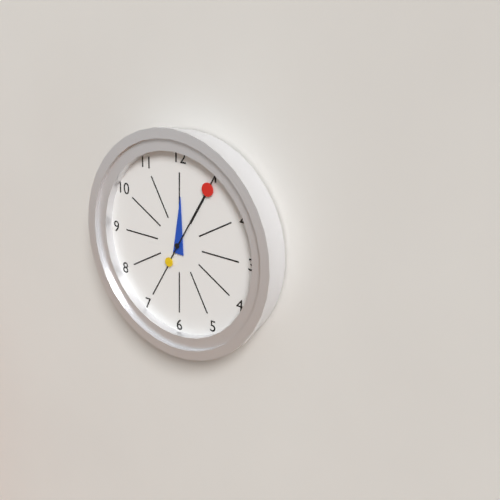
{"hour": 12, "minute": 5}
